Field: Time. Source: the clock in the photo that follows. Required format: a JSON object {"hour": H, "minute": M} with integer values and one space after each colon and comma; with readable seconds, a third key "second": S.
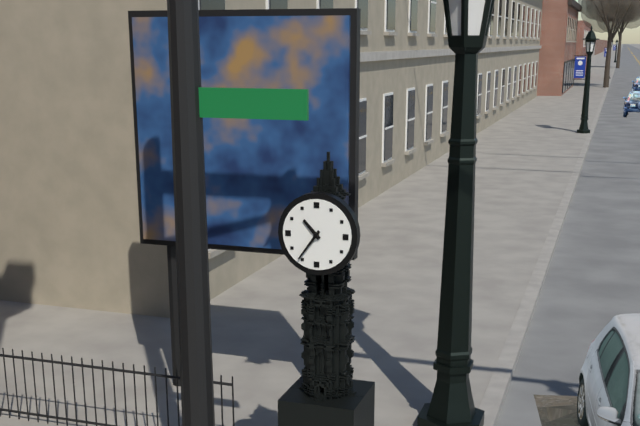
{"hour": 10, "minute": 36}
